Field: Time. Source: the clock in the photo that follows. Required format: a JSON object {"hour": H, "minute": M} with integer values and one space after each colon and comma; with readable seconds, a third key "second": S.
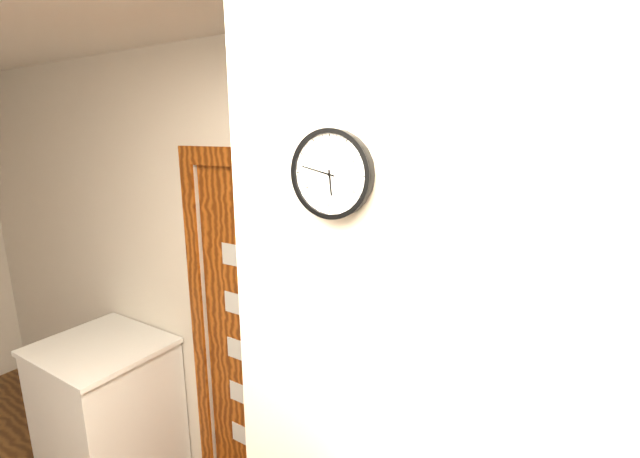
{"hour": 5, "minute": 47}
